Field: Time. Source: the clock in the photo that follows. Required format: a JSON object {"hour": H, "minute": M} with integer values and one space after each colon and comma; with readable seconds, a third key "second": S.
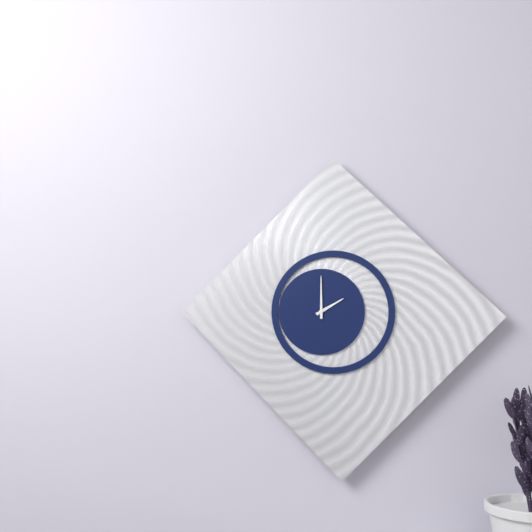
{"hour": 2, "minute": 0}
